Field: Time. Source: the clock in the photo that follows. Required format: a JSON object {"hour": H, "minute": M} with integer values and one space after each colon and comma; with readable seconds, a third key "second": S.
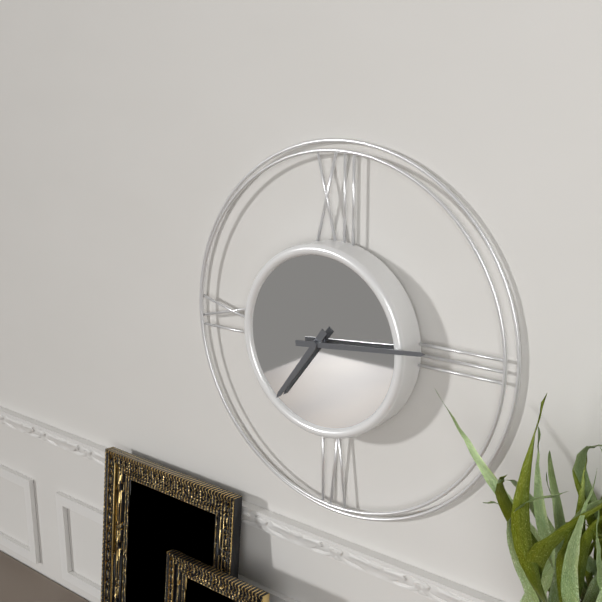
{"hour": 7, "minute": 14}
